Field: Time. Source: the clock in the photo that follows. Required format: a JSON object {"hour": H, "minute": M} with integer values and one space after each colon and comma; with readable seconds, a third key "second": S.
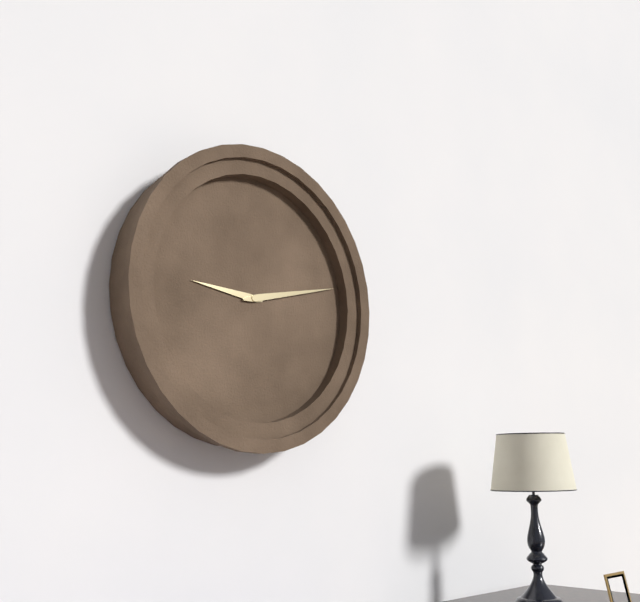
{"hour": 9, "minute": 13}
